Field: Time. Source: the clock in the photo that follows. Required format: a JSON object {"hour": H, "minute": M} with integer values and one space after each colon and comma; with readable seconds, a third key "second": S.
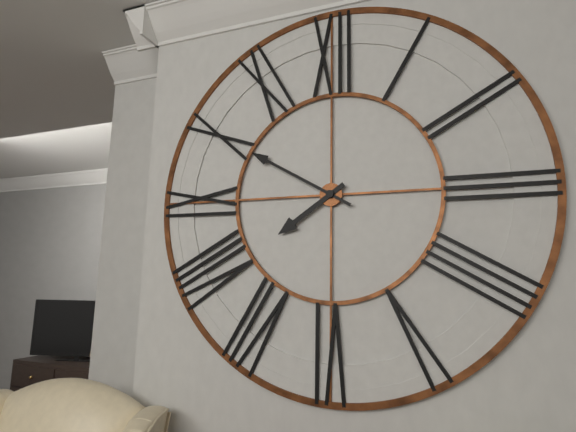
{"hour": 7, "minute": 50}
